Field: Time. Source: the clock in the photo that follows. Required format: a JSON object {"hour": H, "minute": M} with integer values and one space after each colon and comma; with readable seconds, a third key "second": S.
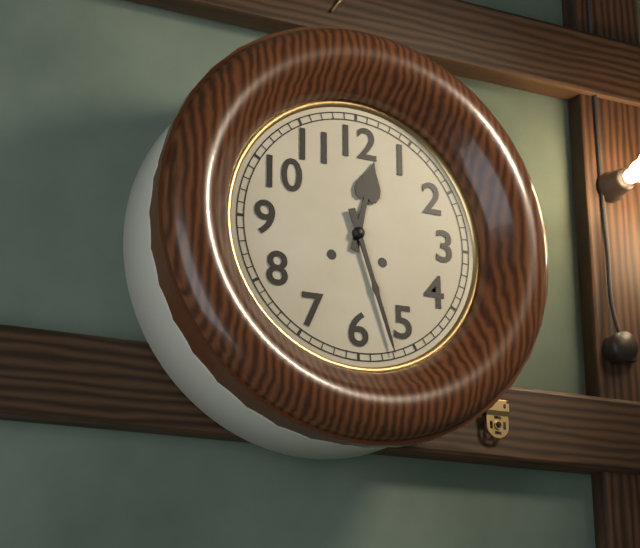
{"hour": 12, "minute": 27}
